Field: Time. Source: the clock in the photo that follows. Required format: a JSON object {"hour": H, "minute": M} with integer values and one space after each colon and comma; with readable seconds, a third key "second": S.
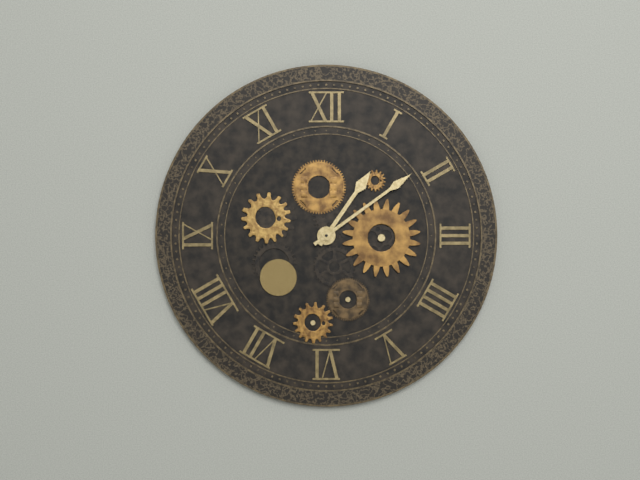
{"hour": 1, "minute": 9}
